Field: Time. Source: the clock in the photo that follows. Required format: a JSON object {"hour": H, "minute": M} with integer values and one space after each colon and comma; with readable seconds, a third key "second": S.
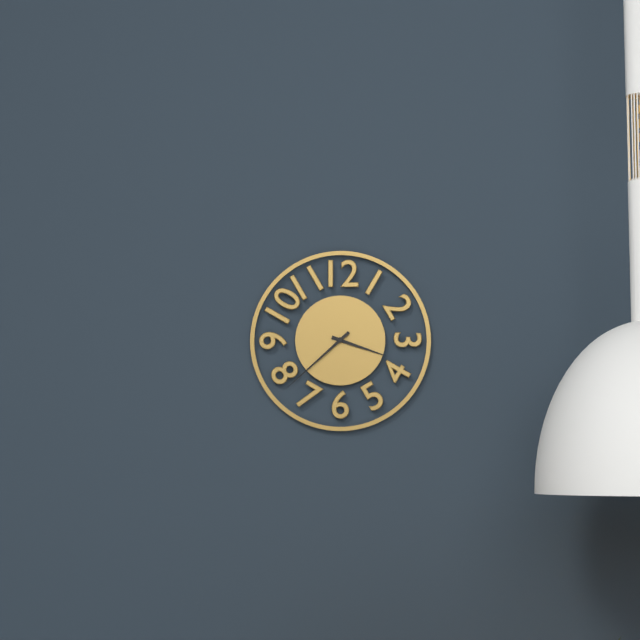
{"hour": 3, "minute": 38}
